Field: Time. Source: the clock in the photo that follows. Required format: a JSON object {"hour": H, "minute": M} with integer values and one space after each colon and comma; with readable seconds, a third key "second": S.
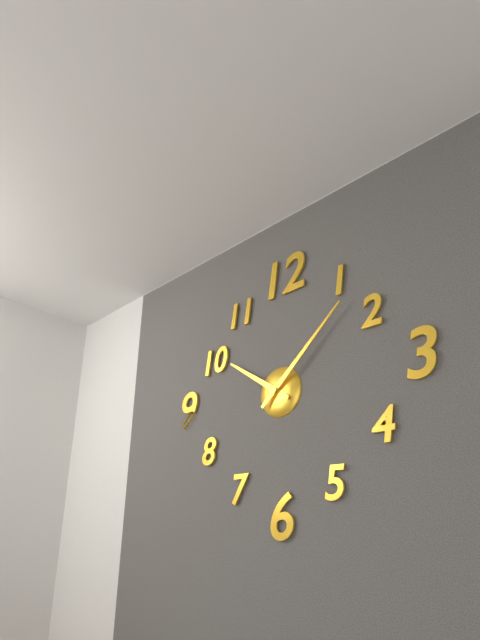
{"hour": 10, "minute": 8}
